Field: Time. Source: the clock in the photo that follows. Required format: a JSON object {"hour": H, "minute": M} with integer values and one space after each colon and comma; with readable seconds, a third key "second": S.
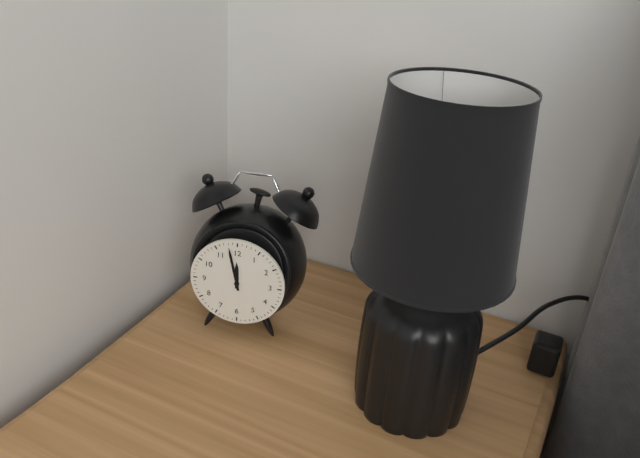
{"hour": 11, "minute": 58}
